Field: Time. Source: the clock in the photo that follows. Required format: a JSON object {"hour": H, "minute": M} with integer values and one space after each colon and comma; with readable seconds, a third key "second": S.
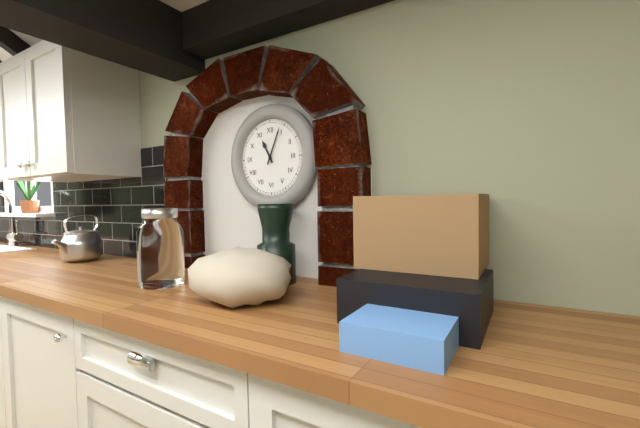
{"hour": 11, "minute": 4}
